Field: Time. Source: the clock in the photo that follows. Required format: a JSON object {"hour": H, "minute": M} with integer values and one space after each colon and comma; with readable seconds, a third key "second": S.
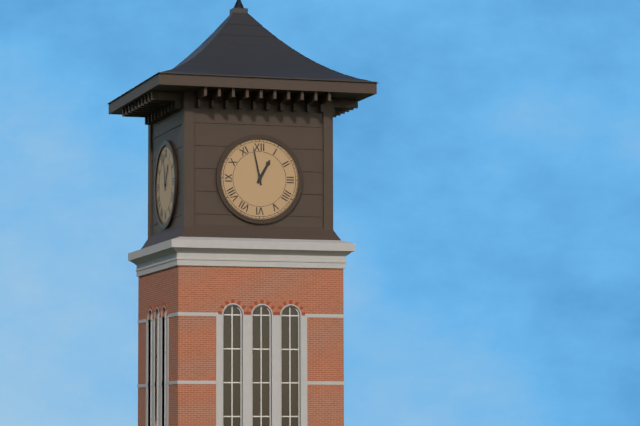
{"hour": 12, "minute": 58}
